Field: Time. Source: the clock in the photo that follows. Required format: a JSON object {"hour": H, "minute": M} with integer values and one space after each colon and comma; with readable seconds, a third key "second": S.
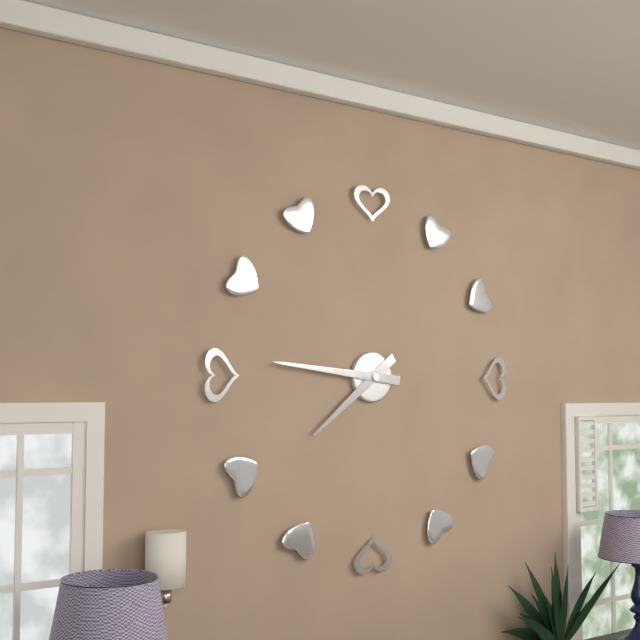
{"hour": 7, "minute": 46}
